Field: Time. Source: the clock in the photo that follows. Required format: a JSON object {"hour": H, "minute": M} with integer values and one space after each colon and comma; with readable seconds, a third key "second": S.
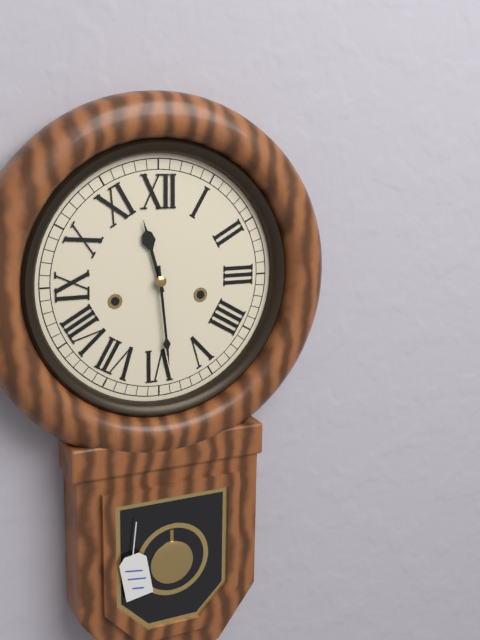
{"hour": 11, "minute": 29}
